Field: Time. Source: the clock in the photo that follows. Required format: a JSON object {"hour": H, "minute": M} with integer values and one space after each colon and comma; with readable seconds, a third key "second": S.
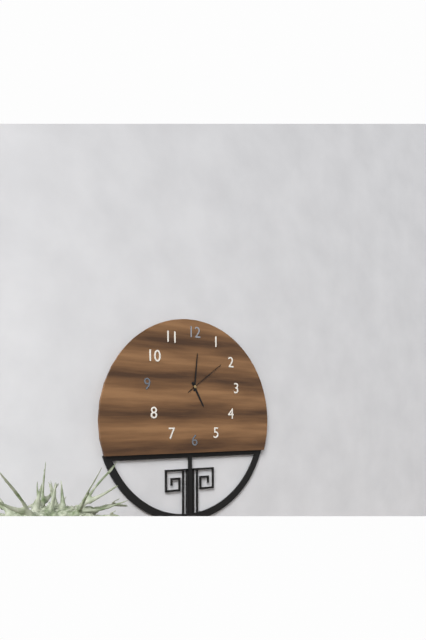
{"hour": 5, "minute": 1}
